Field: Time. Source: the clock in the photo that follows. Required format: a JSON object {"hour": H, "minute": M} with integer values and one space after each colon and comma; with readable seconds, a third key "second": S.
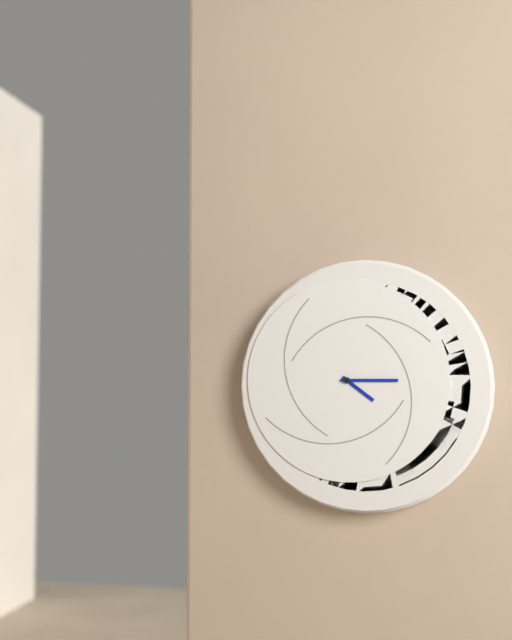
{"hour": 4, "minute": 15}
